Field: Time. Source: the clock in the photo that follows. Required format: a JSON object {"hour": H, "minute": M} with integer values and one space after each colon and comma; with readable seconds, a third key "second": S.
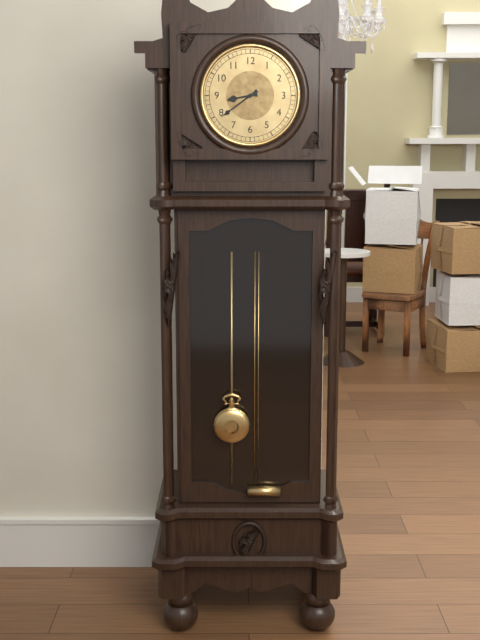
{"hour": 8, "minute": 39}
